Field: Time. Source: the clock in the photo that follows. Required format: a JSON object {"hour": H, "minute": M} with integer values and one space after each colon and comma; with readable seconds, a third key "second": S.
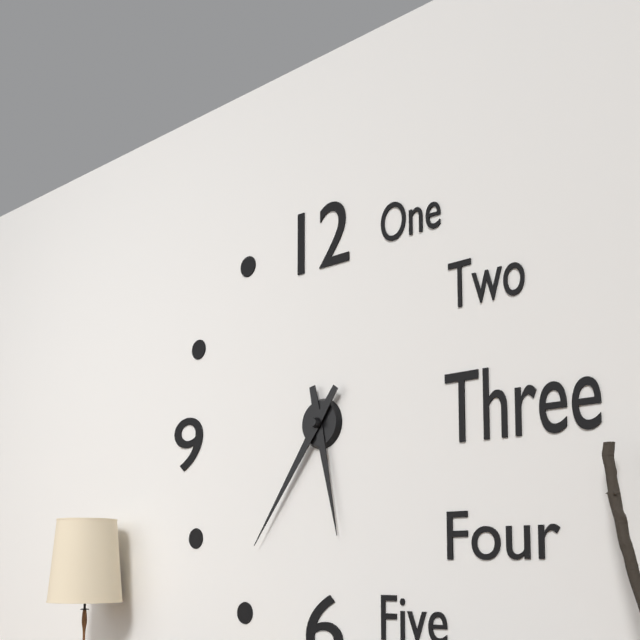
{"hour": 5, "minute": 36}
